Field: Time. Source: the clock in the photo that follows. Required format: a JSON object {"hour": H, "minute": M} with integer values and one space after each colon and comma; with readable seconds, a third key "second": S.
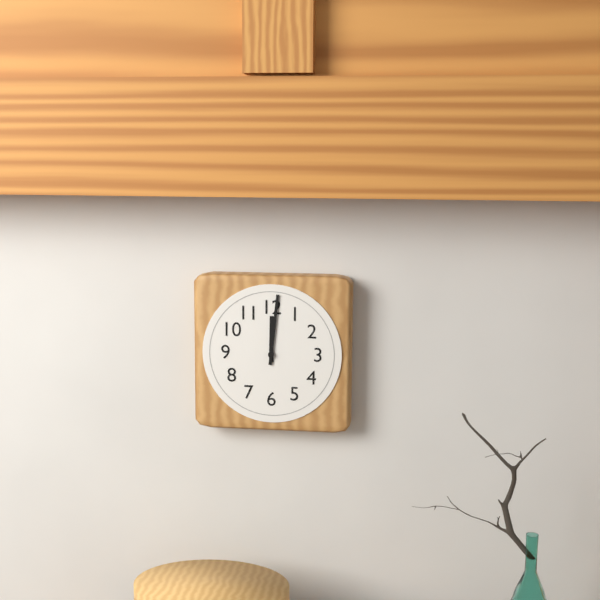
{"hour": 12, "minute": 1}
